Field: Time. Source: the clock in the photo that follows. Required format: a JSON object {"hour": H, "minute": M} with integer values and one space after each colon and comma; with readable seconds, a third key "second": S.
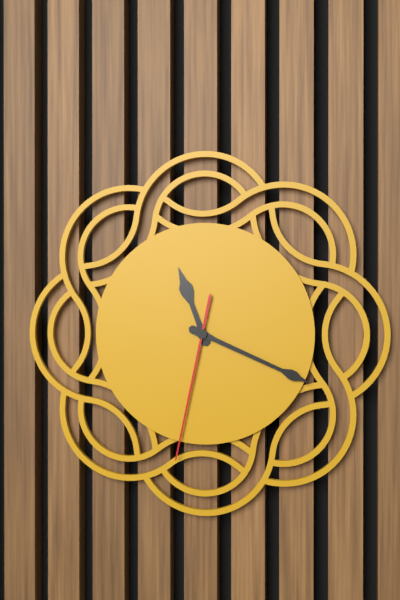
{"hour": 11, "minute": 19, "second": 32}
